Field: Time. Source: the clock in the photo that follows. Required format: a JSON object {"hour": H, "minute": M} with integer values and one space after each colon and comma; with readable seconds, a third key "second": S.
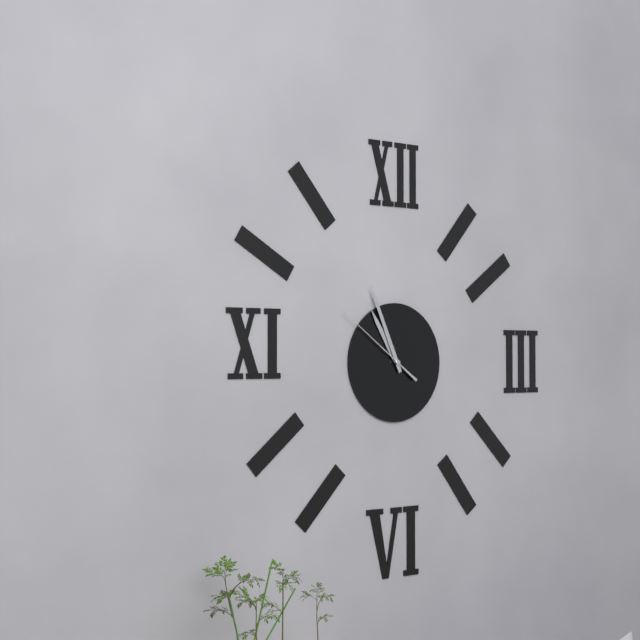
{"hour": 10, "minute": 56, "second": 51}
